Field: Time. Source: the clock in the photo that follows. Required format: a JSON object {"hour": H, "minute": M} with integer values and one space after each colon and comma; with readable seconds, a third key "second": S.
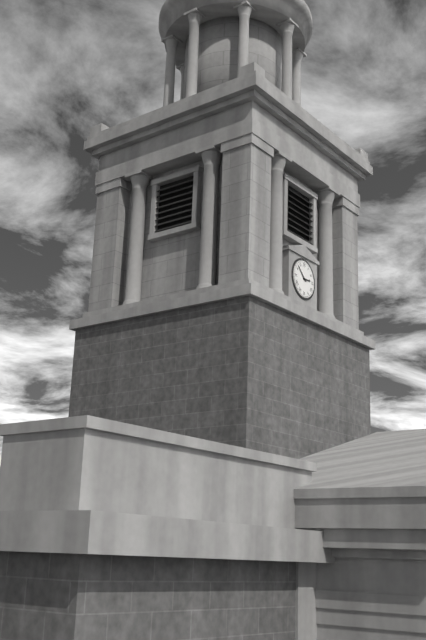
{"hour": 2, "minute": 52}
